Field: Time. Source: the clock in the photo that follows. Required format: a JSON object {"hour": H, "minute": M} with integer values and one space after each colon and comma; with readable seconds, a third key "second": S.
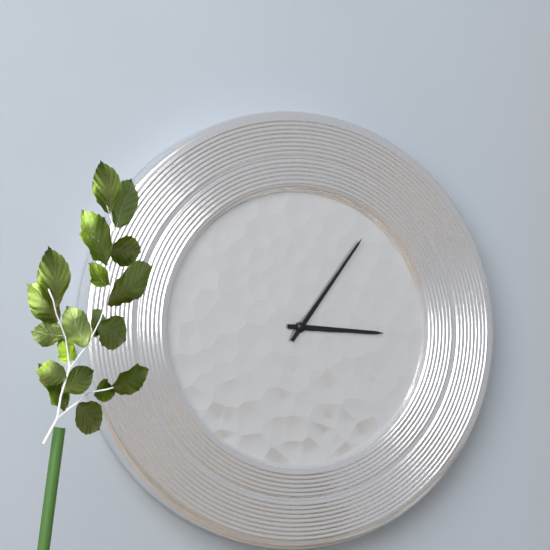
{"hour": 3, "minute": 6}
